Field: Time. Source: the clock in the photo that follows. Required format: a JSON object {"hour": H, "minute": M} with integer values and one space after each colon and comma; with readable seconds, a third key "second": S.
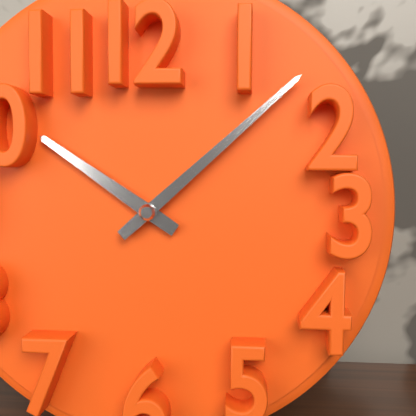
{"hour": 10, "minute": 8}
